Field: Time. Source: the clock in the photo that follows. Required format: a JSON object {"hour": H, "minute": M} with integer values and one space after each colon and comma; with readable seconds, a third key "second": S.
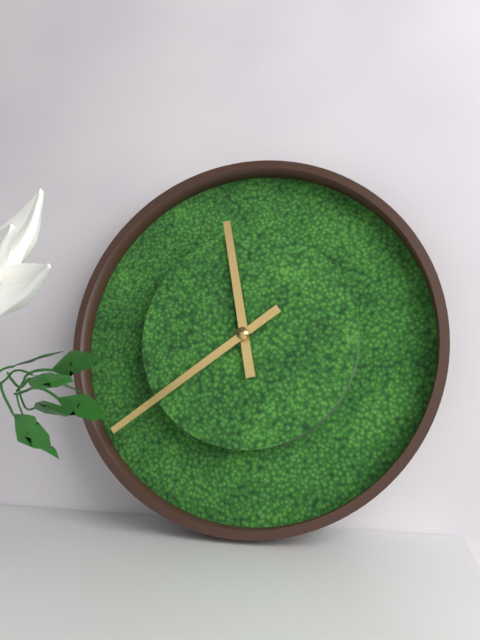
{"hour": 11, "minute": 39}
